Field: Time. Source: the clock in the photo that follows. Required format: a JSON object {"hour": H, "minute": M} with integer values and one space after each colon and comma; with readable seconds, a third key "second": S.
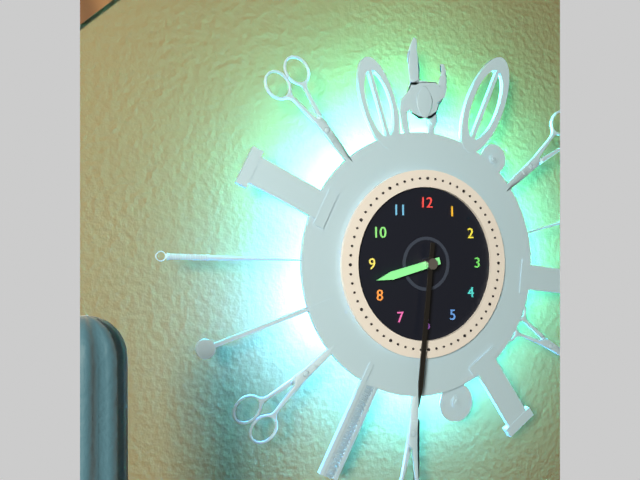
{"hour": 8, "minute": 31}
